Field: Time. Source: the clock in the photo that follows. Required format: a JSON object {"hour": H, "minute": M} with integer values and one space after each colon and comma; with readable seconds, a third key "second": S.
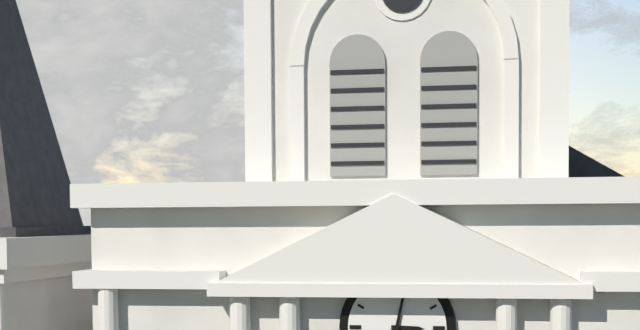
{"hour": 3, "minute": 2}
